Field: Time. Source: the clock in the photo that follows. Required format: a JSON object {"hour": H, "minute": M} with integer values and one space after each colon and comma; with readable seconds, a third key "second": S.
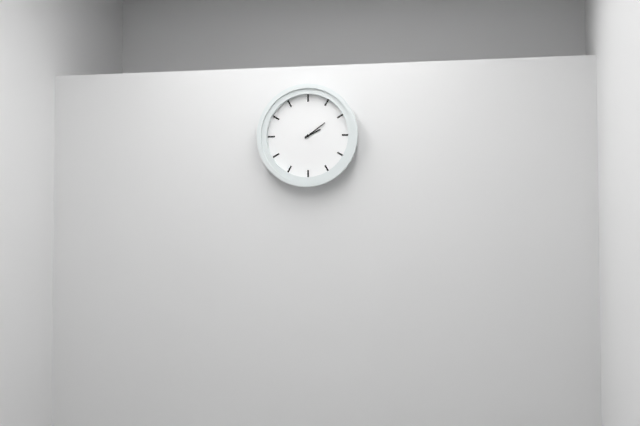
{"hour": 2, "minute": 9}
